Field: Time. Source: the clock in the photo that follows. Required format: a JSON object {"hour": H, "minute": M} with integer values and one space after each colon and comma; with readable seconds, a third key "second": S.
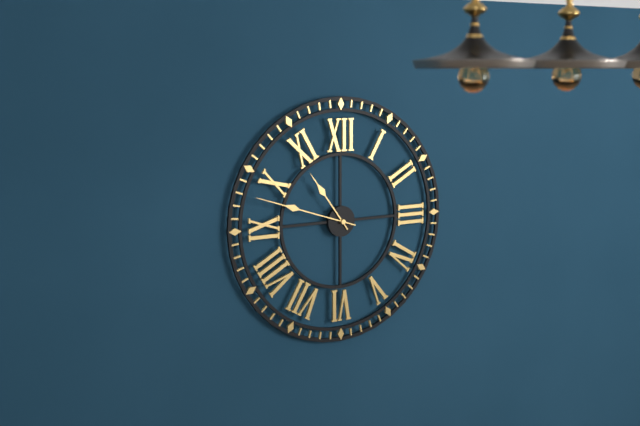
{"hour": 10, "minute": 48}
